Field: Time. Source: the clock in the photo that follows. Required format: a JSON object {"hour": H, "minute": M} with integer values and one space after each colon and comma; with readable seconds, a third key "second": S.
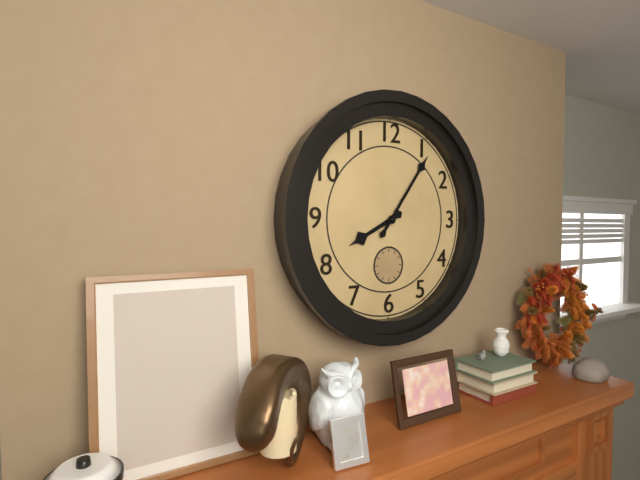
{"hour": 8, "minute": 6}
